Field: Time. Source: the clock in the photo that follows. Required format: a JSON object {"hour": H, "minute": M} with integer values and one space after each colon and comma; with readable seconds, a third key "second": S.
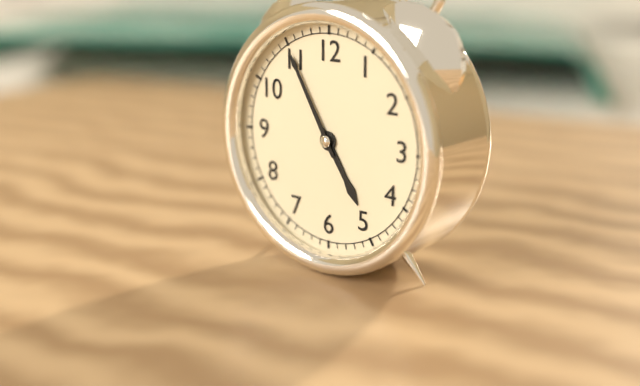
{"hour": 4, "minute": 55}
